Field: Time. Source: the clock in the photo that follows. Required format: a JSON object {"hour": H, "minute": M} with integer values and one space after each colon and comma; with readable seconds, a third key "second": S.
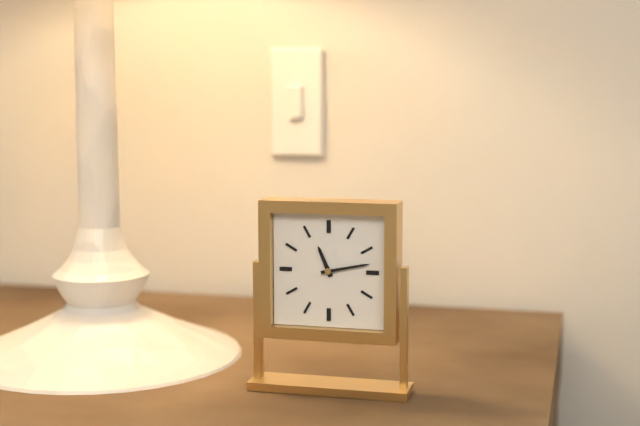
{"hour": 11, "minute": 13}
